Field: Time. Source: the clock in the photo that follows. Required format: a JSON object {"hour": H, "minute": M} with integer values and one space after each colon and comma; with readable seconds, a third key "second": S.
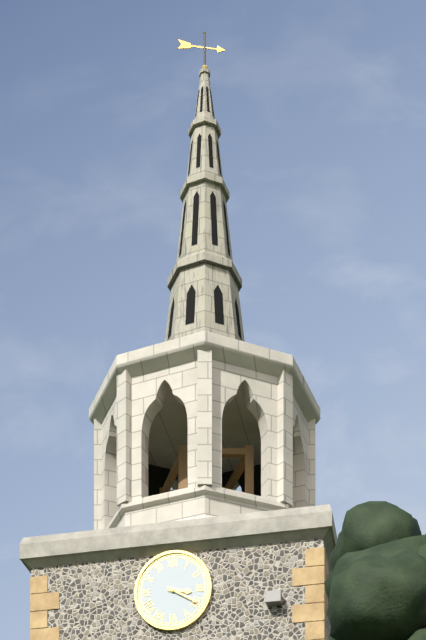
{"hour": 3, "minute": 20}
